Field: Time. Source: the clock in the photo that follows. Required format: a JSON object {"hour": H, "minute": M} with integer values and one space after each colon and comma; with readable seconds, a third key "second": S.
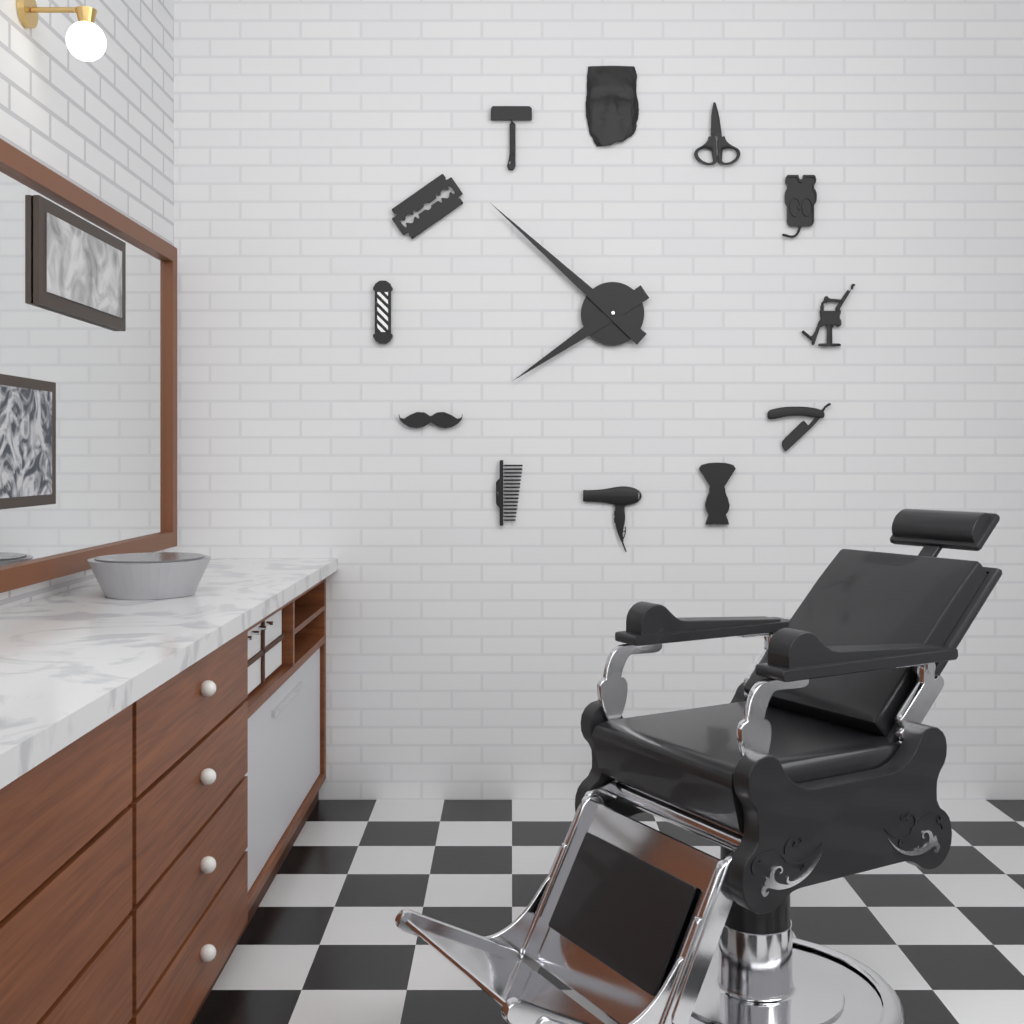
{"hour": 7, "minute": 52}
